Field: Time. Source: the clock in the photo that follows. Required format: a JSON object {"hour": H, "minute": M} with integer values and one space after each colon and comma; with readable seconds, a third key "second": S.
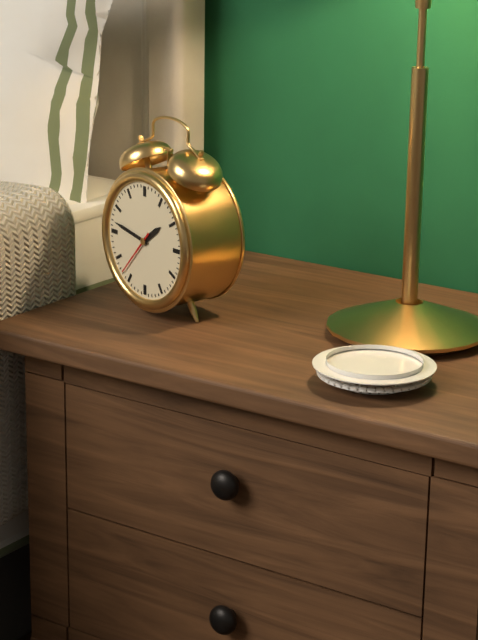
{"hour": 1, "minute": 47}
